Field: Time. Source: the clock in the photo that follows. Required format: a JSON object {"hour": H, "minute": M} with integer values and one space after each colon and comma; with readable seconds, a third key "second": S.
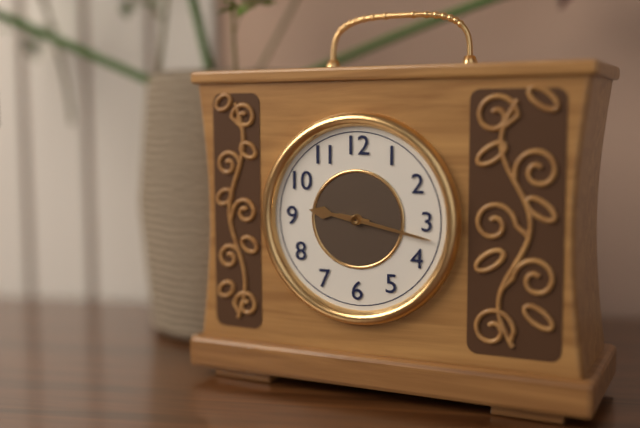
{"hour": 9, "minute": 17}
